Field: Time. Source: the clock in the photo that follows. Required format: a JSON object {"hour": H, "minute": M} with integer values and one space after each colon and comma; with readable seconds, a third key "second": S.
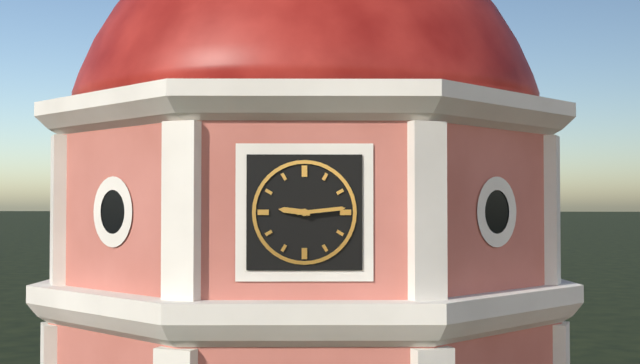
{"hour": 9, "minute": 14}
